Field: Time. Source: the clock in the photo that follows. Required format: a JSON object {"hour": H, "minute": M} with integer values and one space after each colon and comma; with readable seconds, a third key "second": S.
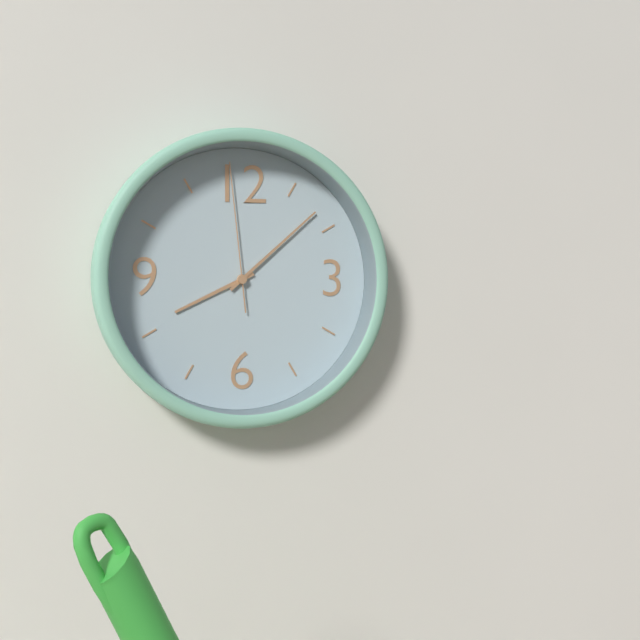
{"hour": 8, "minute": 8, "second": 59}
